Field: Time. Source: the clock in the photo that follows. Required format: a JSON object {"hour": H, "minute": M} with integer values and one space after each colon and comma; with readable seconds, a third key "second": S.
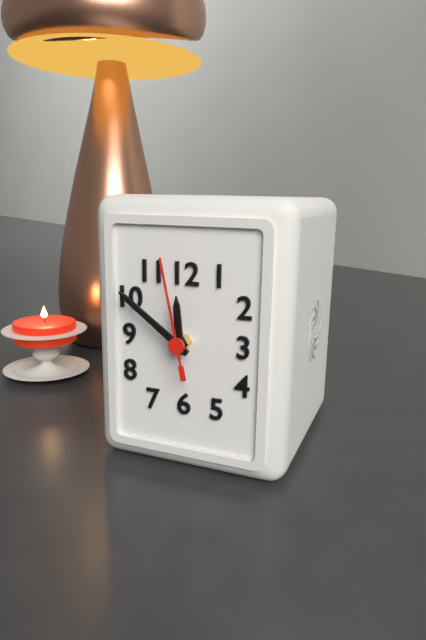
{"hour": 11, "minute": 51, "second": 58}
